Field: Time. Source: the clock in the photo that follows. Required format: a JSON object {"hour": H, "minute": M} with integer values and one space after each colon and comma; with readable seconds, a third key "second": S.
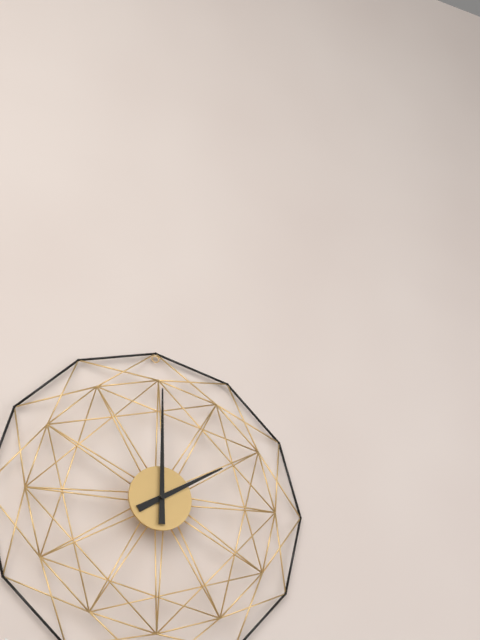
{"hour": 2, "minute": 0}
